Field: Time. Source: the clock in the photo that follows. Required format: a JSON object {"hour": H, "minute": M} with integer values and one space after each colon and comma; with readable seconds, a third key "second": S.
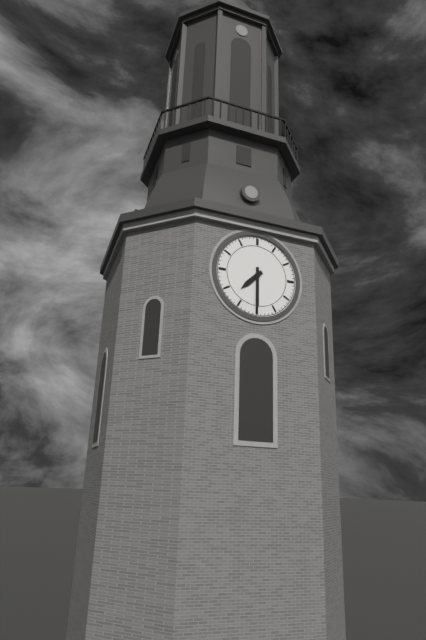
{"hour": 7, "minute": 30}
